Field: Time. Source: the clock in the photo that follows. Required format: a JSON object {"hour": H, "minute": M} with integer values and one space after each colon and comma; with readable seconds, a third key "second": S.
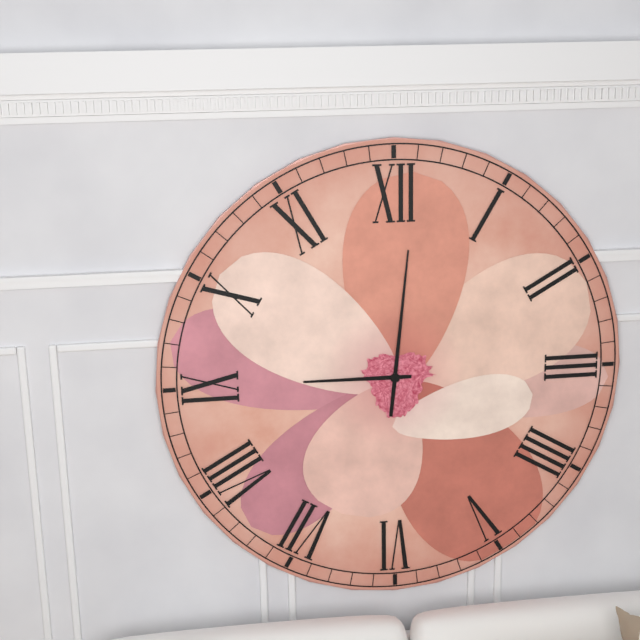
{"hour": 9, "minute": 1}
